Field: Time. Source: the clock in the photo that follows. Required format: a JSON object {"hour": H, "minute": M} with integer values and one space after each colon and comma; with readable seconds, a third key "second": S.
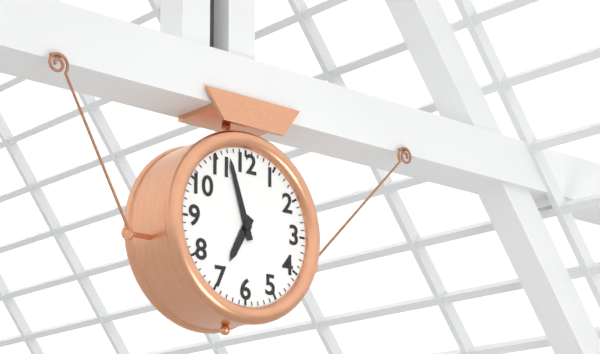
{"hour": 6, "minute": 57}
